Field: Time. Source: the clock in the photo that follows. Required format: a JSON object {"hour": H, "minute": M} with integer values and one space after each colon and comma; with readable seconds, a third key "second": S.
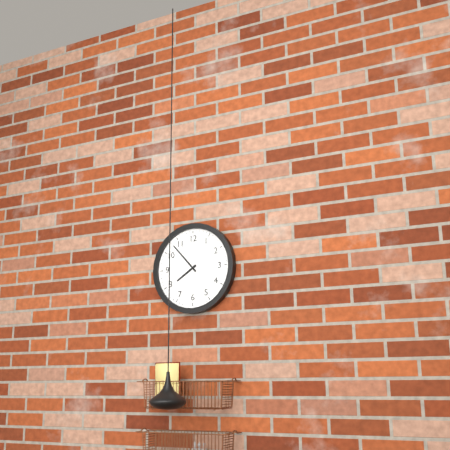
{"hour": 7, "minute": 53}
